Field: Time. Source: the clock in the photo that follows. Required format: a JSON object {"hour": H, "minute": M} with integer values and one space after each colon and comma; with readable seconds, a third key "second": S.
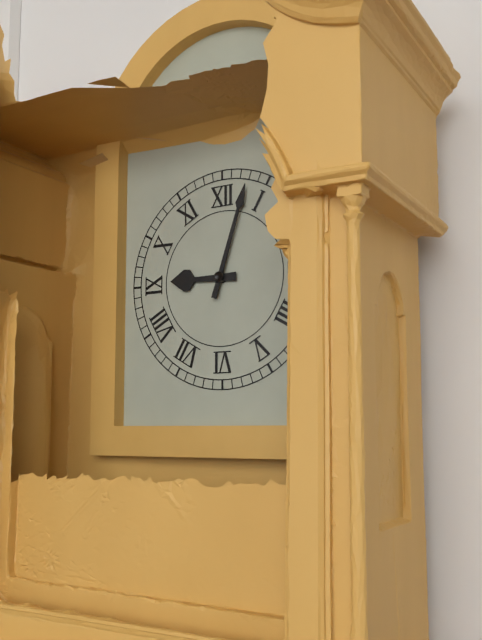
{"hour": 9, "minute": 3}
